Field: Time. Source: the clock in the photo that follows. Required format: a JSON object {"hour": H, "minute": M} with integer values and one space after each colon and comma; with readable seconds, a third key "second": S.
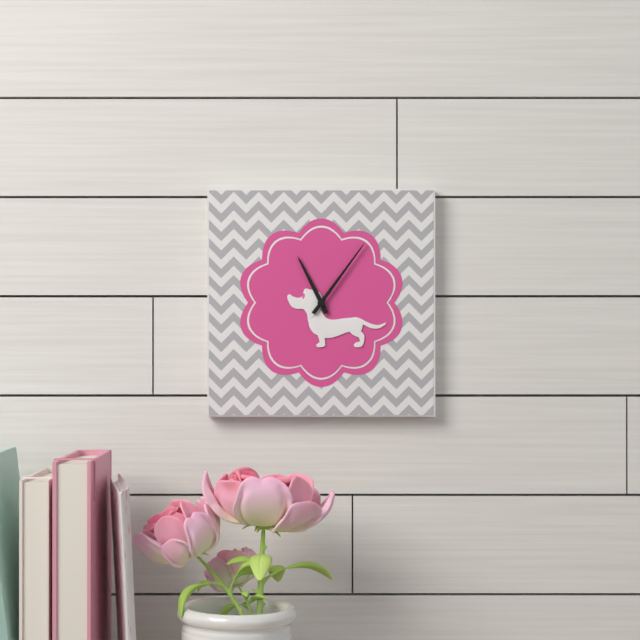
{"hour": 11, "minute": 6}
